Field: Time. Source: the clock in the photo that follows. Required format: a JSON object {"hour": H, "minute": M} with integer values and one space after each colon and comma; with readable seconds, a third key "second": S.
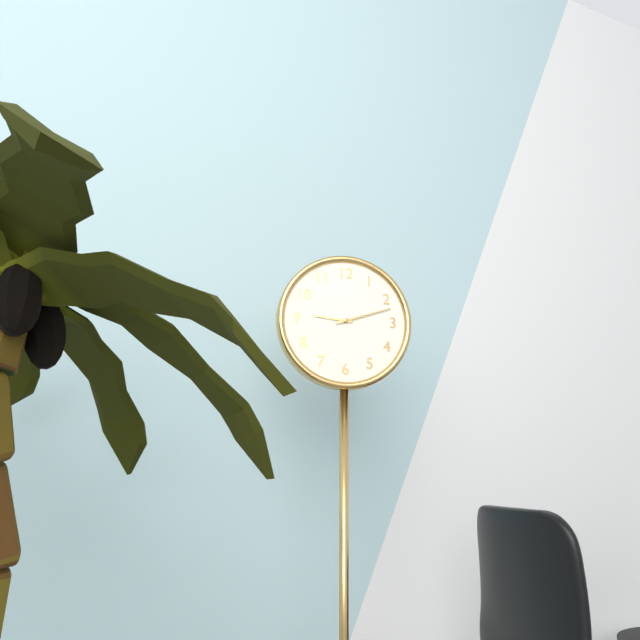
{"hour": 9, "minute": 12}
